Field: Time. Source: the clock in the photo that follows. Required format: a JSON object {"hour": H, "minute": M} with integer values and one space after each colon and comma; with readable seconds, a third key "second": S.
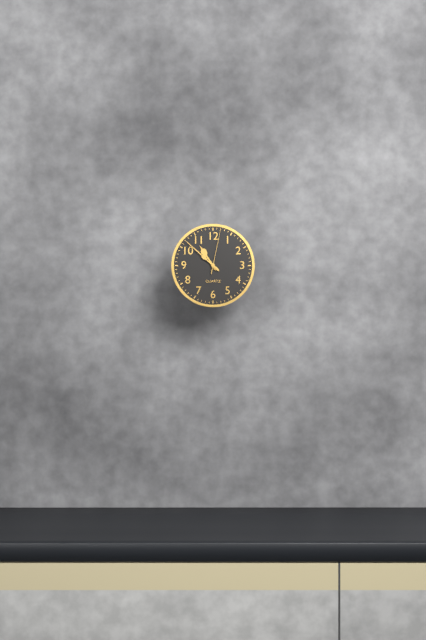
{"hour": 10, "minute": 52}
